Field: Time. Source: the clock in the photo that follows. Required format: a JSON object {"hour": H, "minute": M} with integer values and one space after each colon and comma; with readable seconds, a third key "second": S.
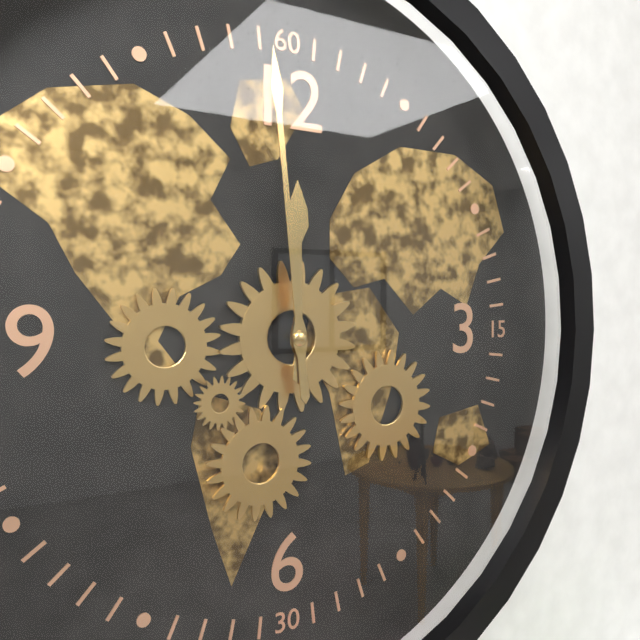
{"hour": 11, "minute": 59}
